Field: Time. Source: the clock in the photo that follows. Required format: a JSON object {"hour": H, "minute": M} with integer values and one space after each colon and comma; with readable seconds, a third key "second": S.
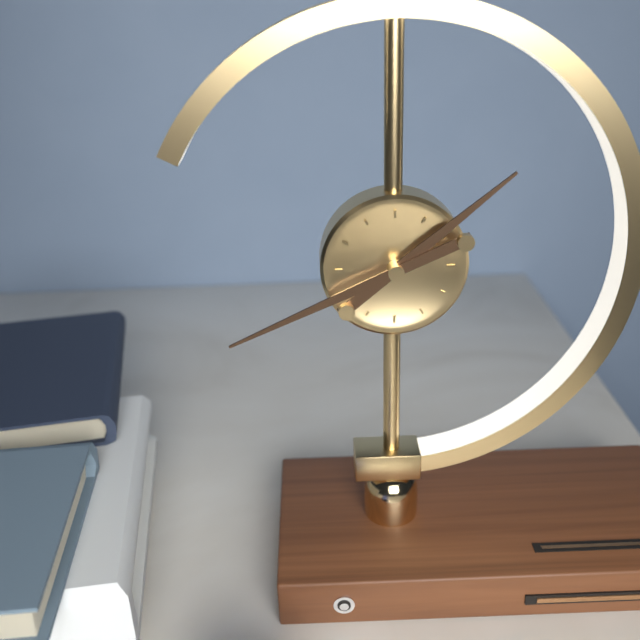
{"hour": 1, "minute": 41}
